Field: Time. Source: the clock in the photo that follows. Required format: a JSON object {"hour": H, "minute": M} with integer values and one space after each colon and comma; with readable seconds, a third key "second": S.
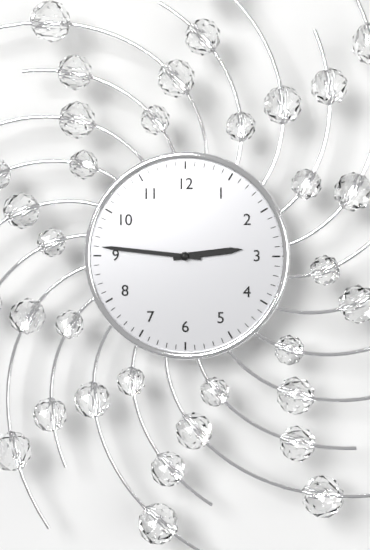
{"hour": 2, "minute": 46}
